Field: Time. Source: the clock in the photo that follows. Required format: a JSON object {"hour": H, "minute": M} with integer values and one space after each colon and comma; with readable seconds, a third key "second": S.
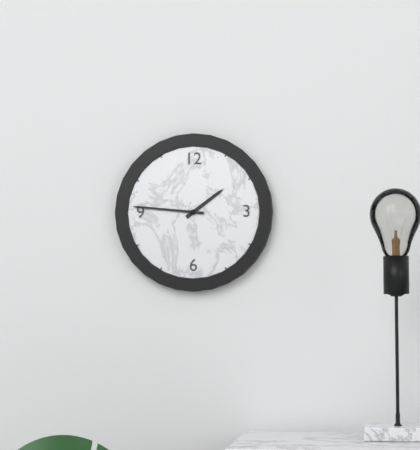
{"hour": 1, "minute": 46}
